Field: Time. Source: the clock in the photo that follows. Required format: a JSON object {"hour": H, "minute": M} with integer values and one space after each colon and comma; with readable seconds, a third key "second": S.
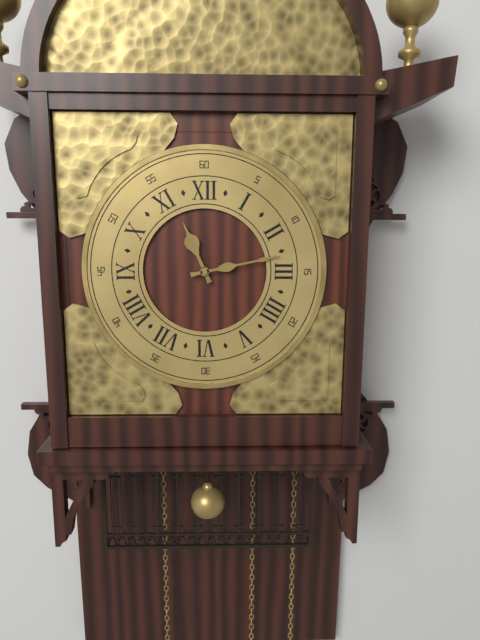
{"hour": 11, "minute": 13}
